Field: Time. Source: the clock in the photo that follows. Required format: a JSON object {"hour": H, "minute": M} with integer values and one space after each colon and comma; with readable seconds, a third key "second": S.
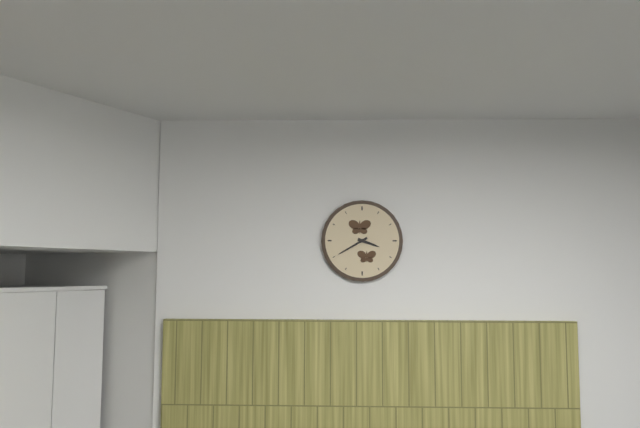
{"hour": 3, "minute": 40}
